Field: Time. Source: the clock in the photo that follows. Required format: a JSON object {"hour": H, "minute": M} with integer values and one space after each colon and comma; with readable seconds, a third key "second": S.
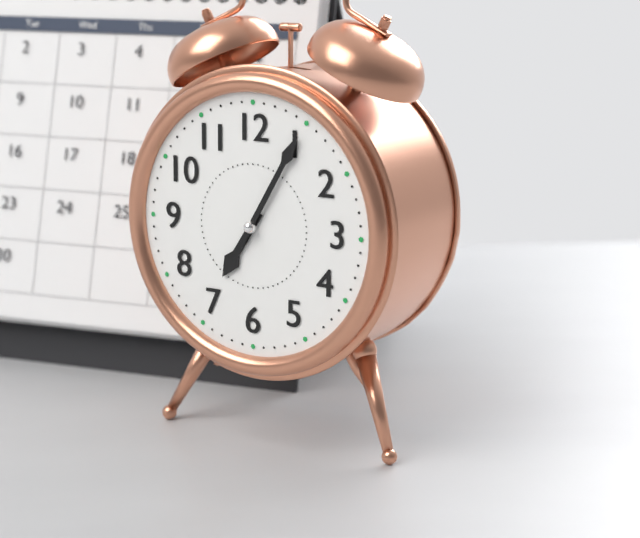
{"hour": 7, "minute": 5}
